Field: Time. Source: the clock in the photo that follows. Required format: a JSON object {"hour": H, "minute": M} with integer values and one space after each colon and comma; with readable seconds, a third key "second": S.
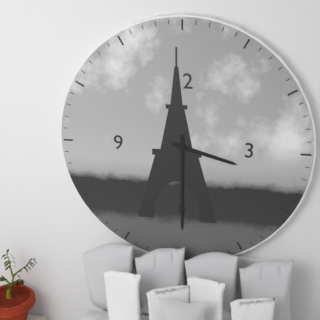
{"hour": 3, "minute": 30}
